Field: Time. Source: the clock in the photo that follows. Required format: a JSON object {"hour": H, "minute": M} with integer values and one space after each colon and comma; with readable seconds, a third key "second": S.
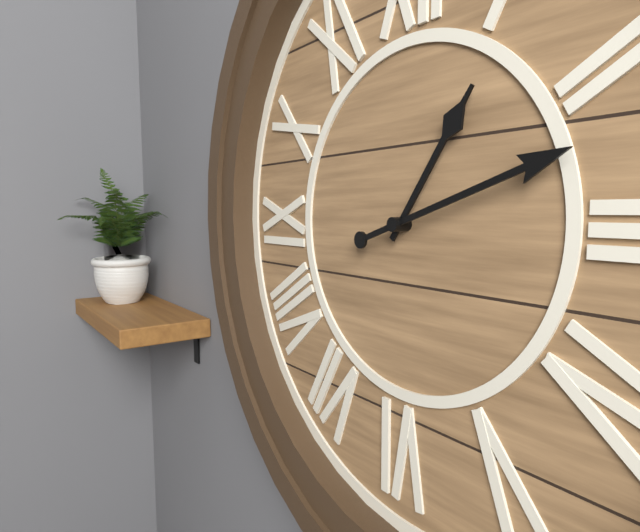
{"hour": 1, "minute": 12}
